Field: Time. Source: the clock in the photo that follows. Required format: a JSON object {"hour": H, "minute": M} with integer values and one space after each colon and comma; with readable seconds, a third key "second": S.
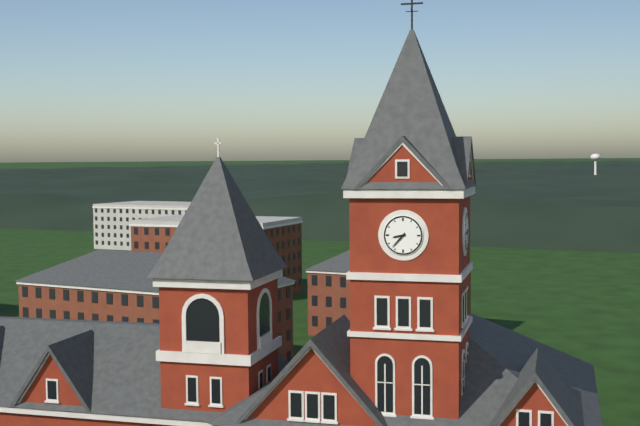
{"hour": 8, "minute": 37}
